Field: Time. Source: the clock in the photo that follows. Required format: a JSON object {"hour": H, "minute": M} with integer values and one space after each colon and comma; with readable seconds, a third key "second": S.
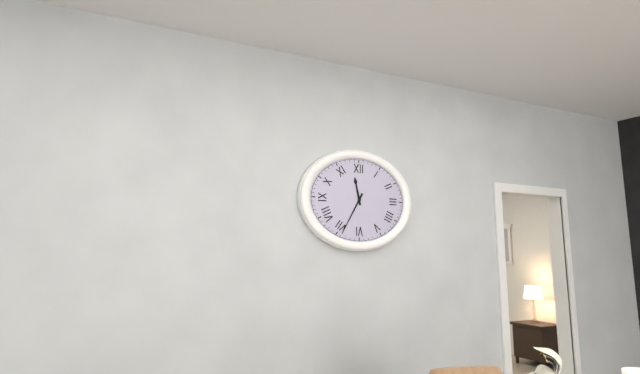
{"hour": 11, "minute": 35}
